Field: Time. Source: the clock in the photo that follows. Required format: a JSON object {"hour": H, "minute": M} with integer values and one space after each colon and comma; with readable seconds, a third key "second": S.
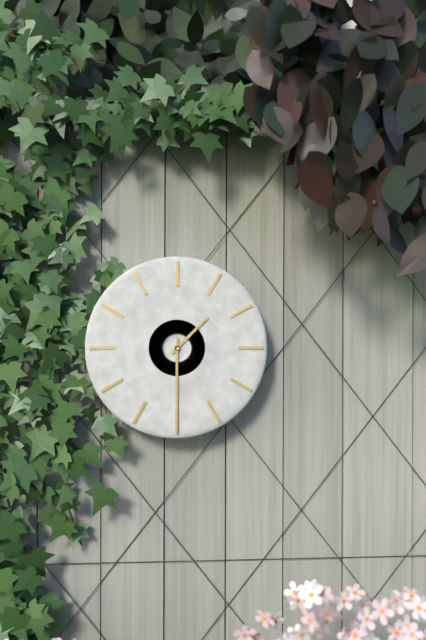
{"hour": 1, "minute": 30}
